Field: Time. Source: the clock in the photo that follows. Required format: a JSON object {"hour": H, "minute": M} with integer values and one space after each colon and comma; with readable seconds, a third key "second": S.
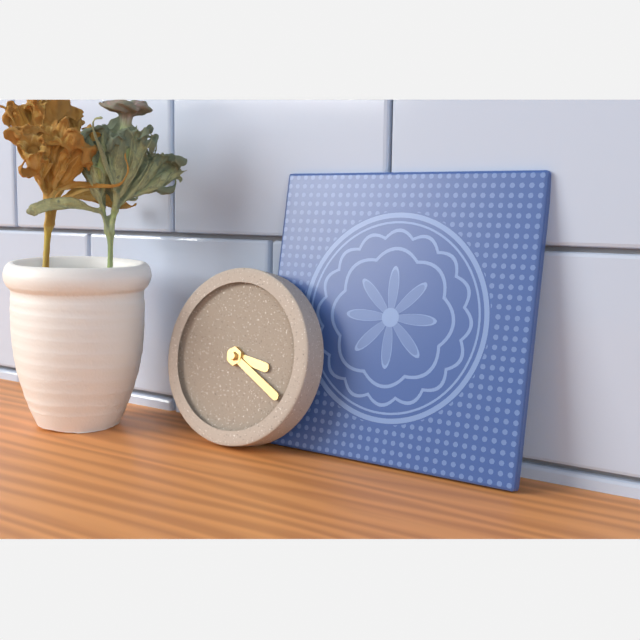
{"hour": 3, "minute": 20}
